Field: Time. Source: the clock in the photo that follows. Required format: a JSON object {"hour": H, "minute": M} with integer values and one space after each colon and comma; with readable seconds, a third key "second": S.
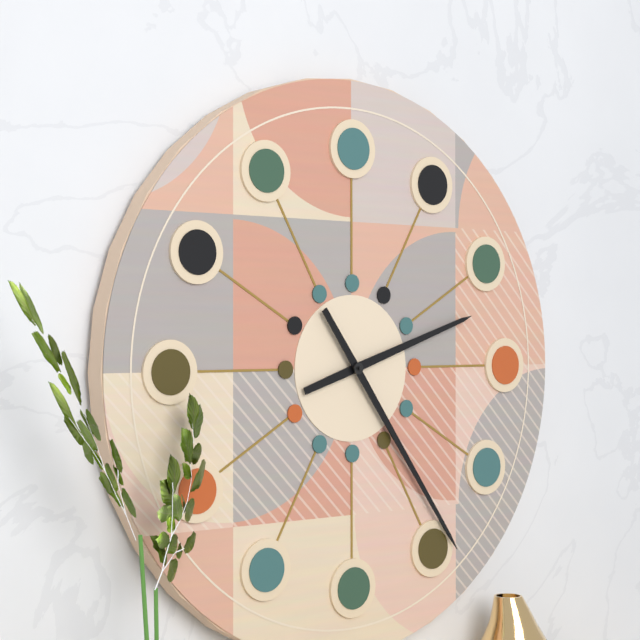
{"hour": 2, "minute": 24}
